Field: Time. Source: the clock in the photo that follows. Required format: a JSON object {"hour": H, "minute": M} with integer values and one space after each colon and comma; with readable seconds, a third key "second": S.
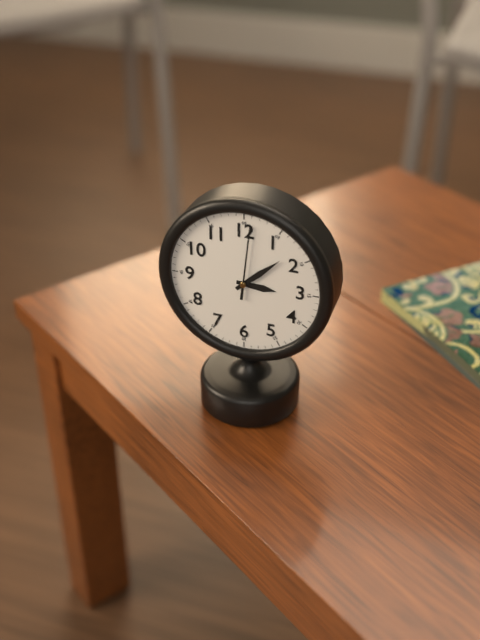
{"hour": 3, "minute": 8, "second": 1}
